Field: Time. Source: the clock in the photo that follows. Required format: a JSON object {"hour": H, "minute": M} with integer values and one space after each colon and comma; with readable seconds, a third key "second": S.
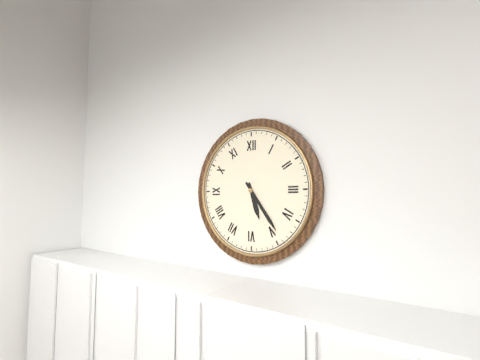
{"hour": 5, "minute": 24}
